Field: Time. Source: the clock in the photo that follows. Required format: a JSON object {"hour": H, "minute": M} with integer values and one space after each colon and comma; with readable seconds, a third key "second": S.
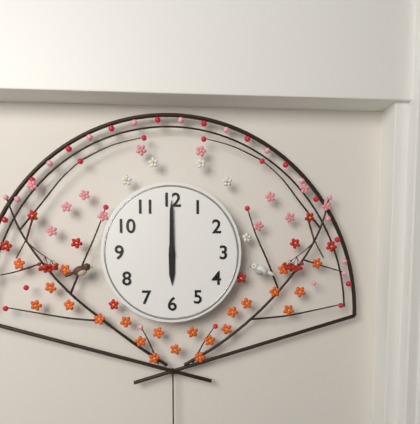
{"hour": 6, "minute": 0}
